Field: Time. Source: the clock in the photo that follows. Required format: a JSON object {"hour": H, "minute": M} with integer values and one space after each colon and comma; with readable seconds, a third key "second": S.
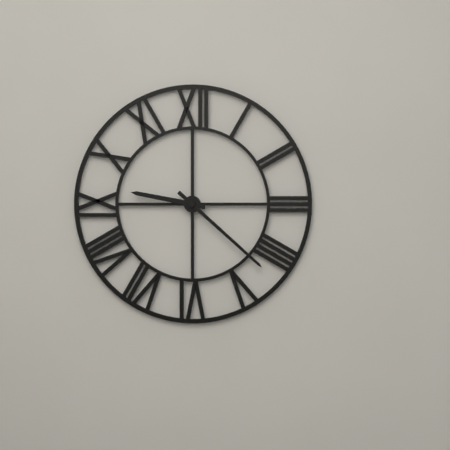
{"hour": 9, "minute": 22}
